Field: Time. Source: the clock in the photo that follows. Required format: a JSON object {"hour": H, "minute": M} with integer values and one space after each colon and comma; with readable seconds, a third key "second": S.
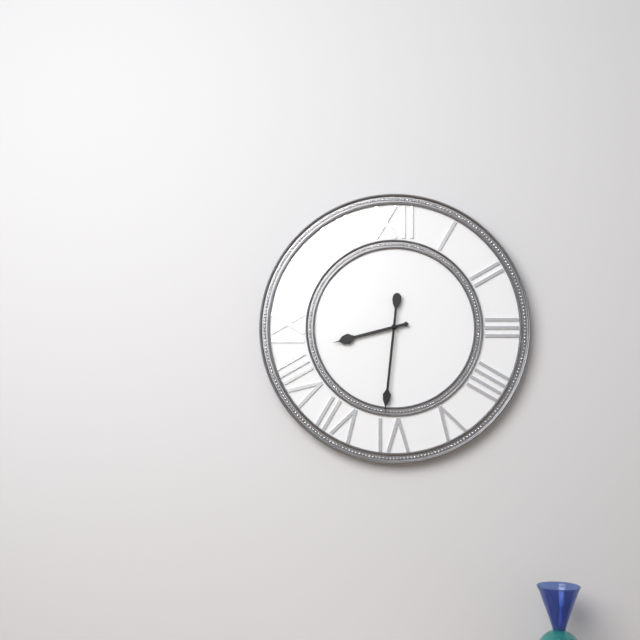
{"hour": 8, "minute": 31}
